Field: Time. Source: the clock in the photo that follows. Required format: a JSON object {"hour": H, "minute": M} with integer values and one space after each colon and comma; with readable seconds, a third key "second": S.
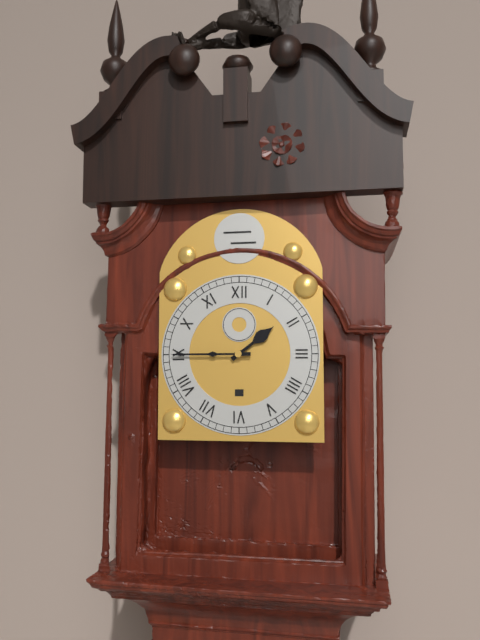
{"hour": 1, "minute": 45}
